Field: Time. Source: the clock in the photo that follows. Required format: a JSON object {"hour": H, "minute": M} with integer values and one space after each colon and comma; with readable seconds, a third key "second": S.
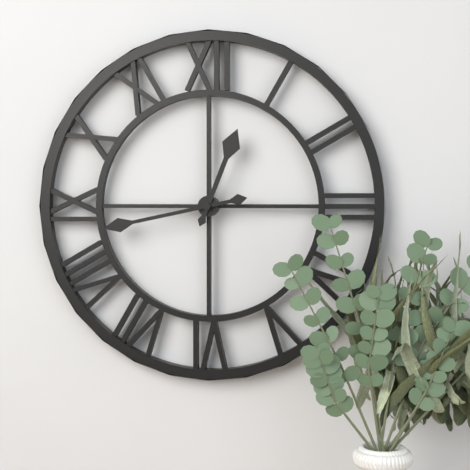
{"hour": 12, "minute": 43}
